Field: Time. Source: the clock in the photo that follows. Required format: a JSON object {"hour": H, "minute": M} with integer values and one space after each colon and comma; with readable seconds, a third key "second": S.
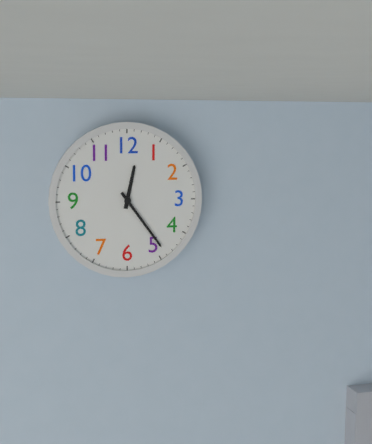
{"hour": 12, "minute": 24}
